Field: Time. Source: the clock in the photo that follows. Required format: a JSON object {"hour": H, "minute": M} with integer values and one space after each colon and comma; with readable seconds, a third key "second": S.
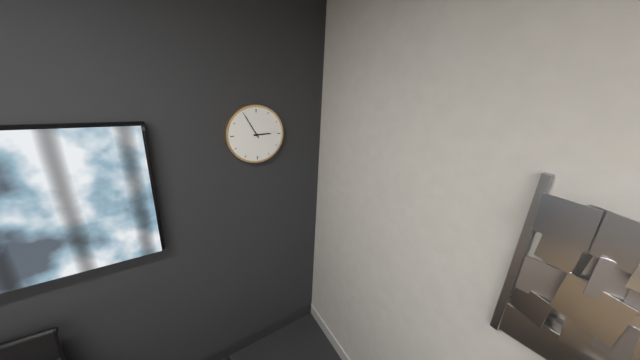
{"hour": 2, "minute": 55}
